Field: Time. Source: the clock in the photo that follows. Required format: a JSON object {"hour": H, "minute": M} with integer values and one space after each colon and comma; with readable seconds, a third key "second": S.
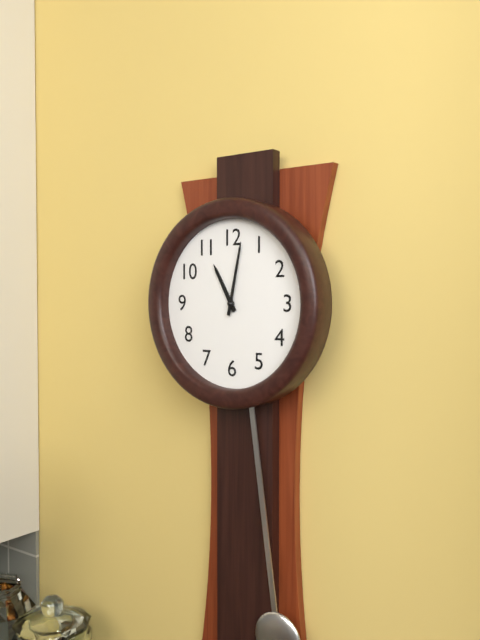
{"hour": 11, "minute": 2}
